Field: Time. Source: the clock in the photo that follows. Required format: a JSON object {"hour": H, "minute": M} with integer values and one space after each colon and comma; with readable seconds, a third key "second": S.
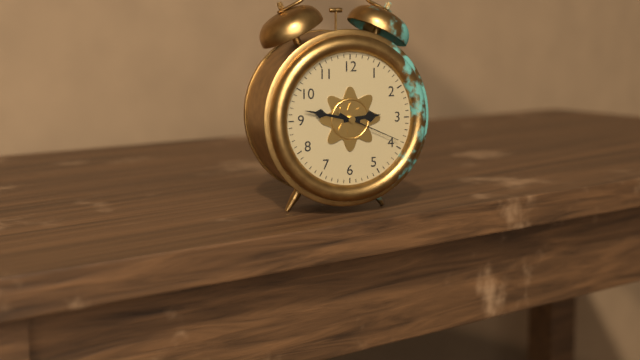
{"hour": 2, "minute": 47, "second": 19}
